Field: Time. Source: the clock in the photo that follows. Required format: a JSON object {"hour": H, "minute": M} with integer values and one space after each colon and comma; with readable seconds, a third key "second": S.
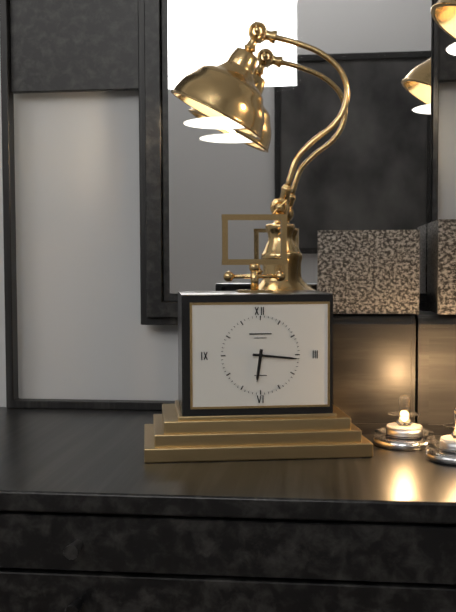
{"hour": 6, "minute": 16}
